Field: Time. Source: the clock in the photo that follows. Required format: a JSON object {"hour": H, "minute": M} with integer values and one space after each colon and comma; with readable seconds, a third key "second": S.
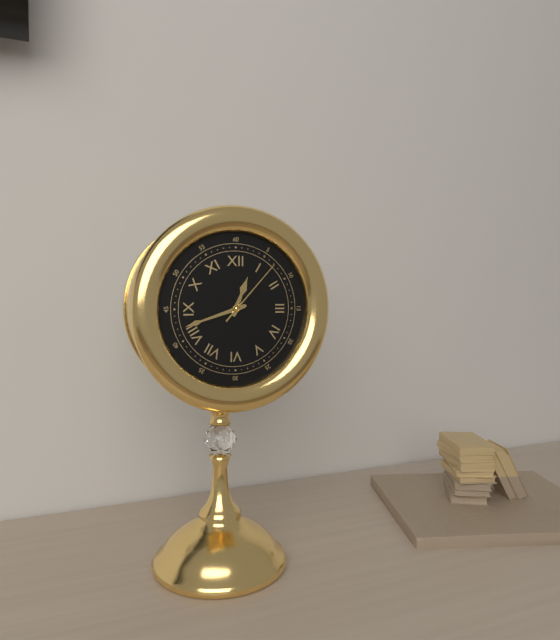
{"hour": 12, "minute": 42, "second": 7}
